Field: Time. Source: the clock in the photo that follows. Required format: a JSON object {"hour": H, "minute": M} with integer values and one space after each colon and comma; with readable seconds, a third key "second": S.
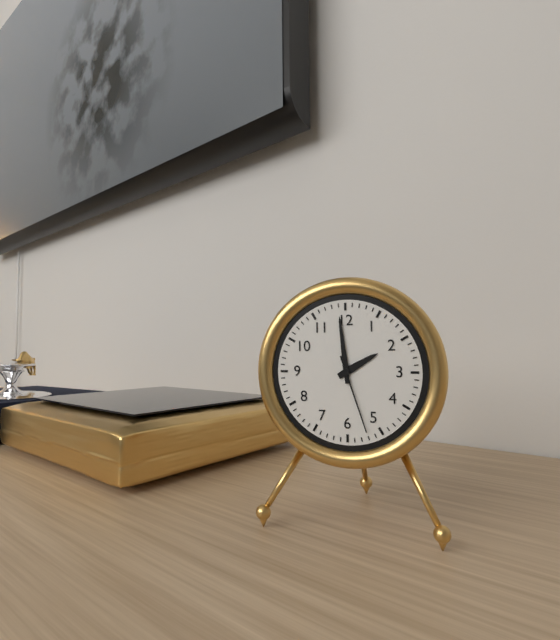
{"hour": 1, "minute": 59, "second": 27}
